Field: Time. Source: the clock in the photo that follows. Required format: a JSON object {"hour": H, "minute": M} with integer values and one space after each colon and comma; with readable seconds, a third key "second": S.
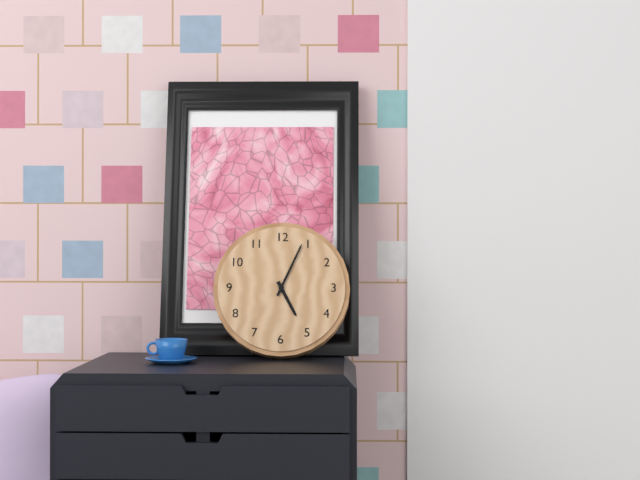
{"hour": 5, "minute": 4}
